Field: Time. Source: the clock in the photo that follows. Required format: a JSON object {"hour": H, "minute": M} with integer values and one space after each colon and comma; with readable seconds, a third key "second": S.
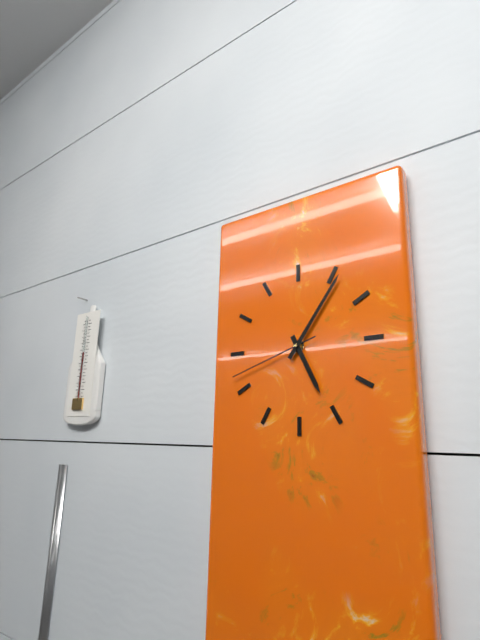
{"hour": 5, "minute": 6, "second": 42}
